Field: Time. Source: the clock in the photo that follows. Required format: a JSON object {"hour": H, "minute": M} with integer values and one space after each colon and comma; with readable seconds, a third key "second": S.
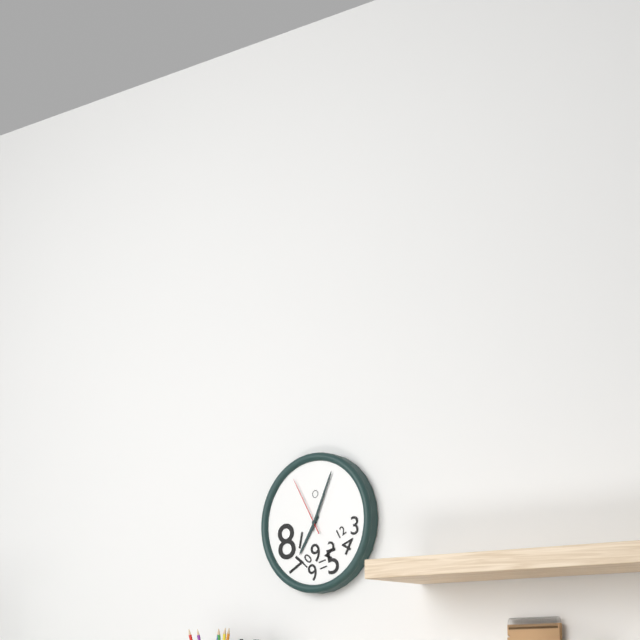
{"hour": 7, "minute": 4, "second": 55}
